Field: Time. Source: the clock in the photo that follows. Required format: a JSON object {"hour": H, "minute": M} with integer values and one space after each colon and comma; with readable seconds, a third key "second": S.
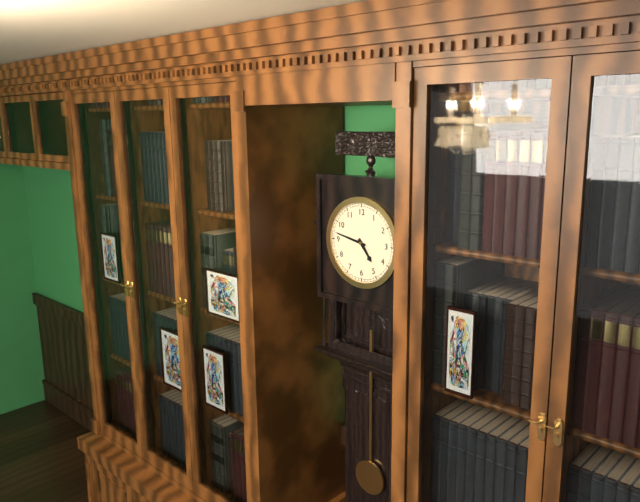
{"hour": 4, "minute": 47}
